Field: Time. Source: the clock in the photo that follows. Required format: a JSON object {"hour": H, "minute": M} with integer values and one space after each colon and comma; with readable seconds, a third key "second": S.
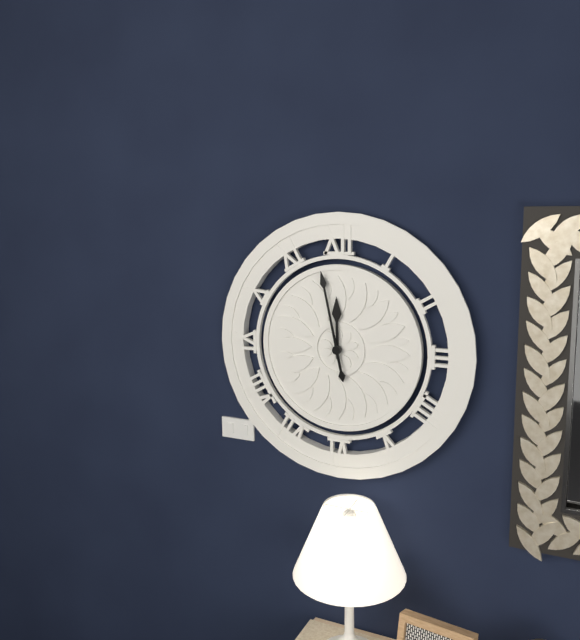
{"hour": 11, "minute": 58}
